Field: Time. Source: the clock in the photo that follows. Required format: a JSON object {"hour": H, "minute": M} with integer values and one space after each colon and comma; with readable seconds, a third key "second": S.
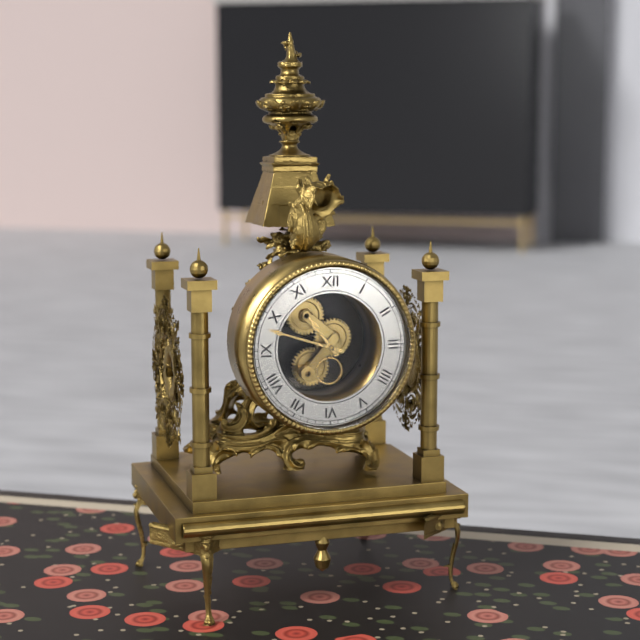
{"hour": 10, "minute": 48}
